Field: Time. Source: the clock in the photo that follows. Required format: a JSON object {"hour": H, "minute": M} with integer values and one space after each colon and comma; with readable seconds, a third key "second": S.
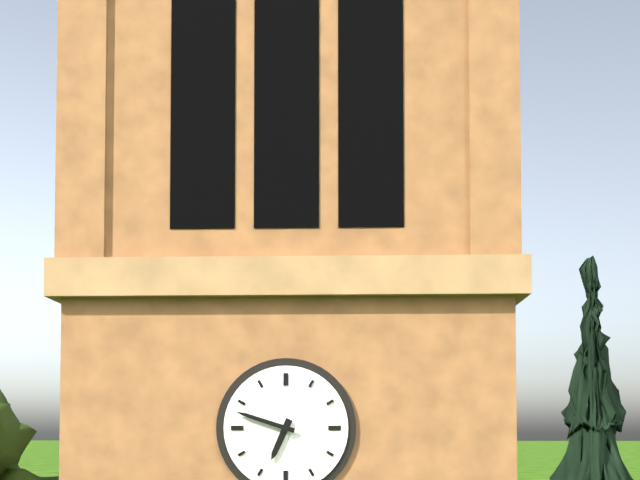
{"hour": 6, "minute": 48}
